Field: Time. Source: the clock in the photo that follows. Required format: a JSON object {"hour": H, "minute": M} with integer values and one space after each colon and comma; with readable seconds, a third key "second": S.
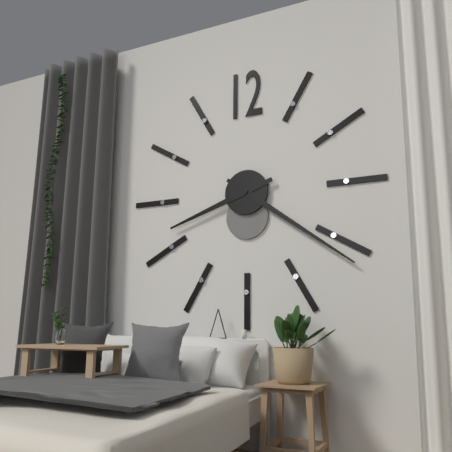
{"hour": 8, "minute": 21}
